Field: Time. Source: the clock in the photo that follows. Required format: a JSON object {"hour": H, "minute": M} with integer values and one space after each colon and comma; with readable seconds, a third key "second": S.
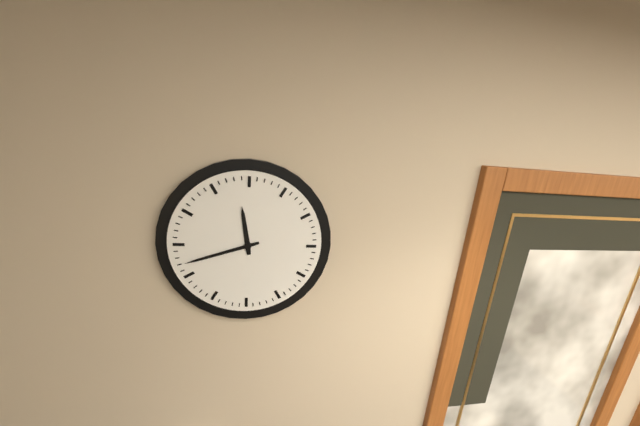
{"hour": 11, "minute": 42}
